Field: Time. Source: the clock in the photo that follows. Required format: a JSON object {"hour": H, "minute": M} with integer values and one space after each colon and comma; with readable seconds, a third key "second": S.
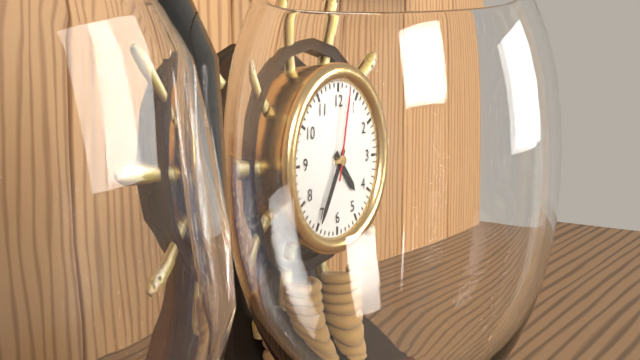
{"hour": 4, "minute": 35, "second": 2}
